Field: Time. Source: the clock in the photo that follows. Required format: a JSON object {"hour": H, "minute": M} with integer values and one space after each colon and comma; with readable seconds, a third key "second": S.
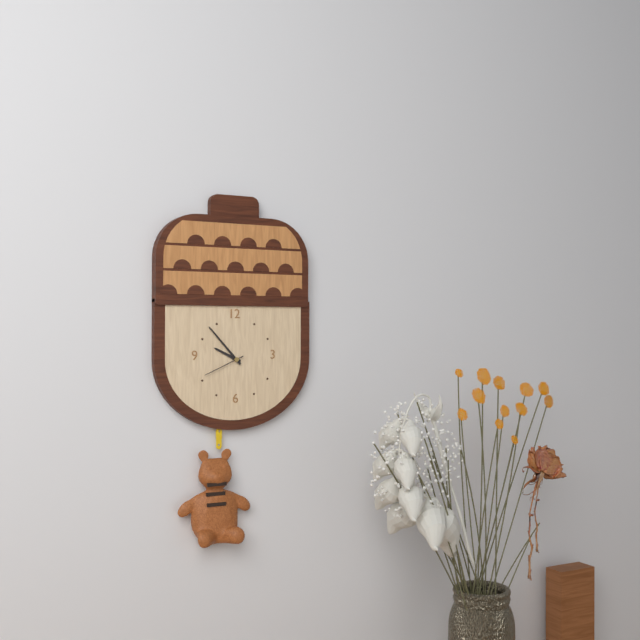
{"hour": 9, "minute": 53}
